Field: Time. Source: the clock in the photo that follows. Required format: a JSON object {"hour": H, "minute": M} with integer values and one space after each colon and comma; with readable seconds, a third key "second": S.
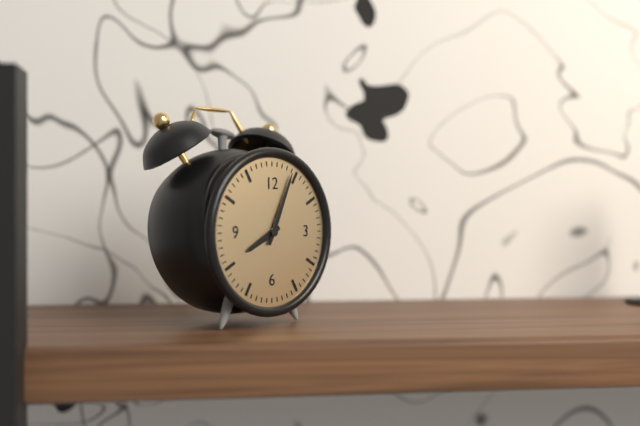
{"hour": 8, "minute": 4}
